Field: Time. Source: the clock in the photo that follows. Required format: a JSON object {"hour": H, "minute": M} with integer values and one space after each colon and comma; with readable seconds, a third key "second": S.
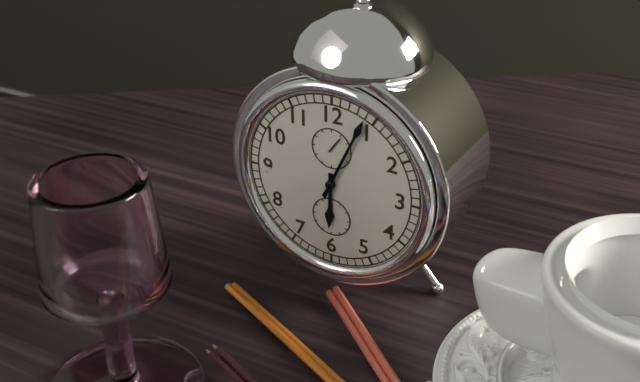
{"hour": 6, "minute": 4}
